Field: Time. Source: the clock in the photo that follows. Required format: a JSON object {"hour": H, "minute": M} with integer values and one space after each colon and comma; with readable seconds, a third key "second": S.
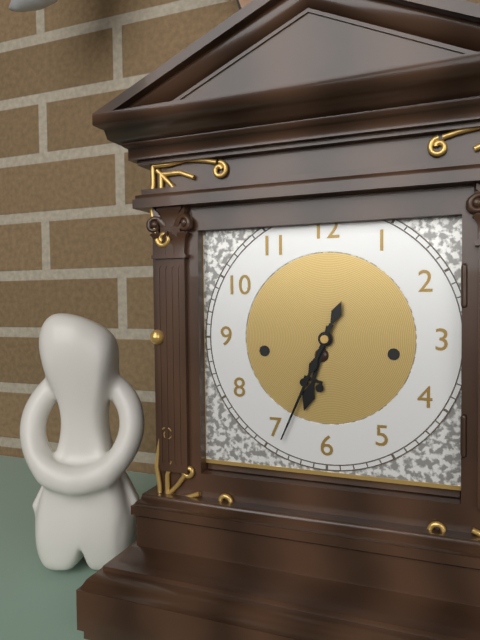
{"hour": 6, "minute": 34}
